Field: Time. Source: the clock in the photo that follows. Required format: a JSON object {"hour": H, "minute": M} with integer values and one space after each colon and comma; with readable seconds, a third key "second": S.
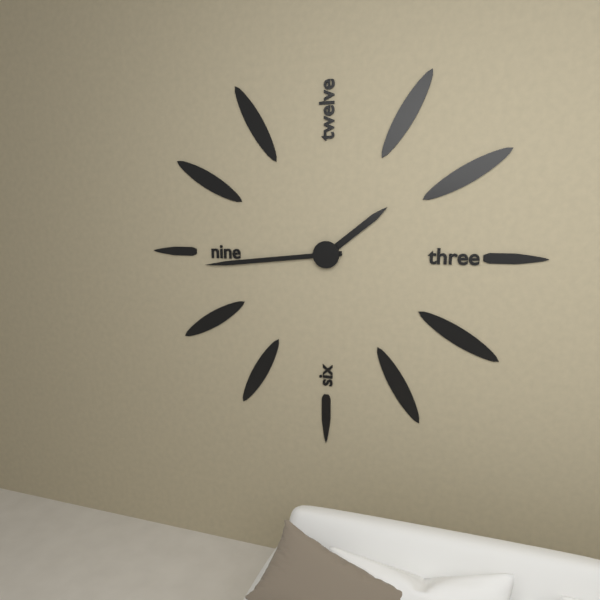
{"hour": 1, "minute": 44}
